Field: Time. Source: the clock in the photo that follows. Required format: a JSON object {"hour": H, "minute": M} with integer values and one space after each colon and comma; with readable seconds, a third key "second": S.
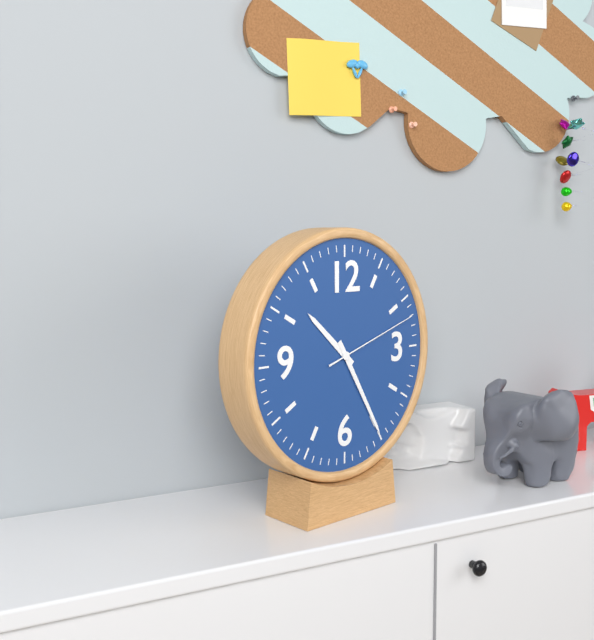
{"hour": 10, "minute": 25, "second": 12}
